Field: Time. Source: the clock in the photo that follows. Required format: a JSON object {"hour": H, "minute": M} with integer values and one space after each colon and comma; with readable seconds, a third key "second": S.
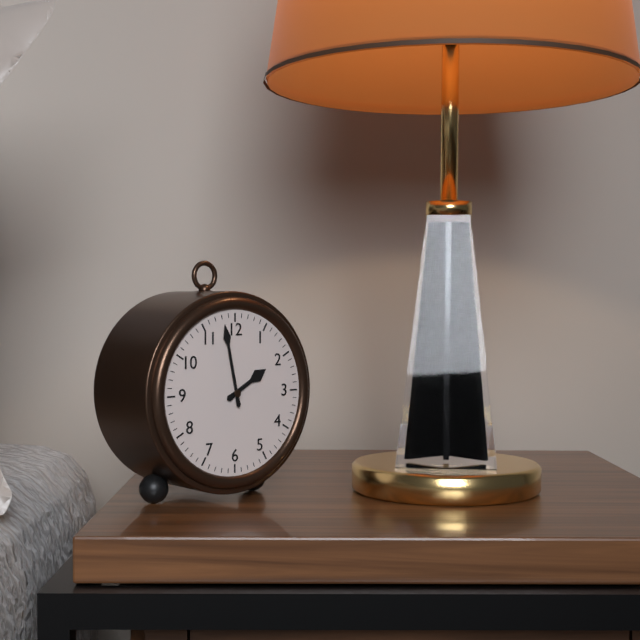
{"hour": 1, "minute": 58}
